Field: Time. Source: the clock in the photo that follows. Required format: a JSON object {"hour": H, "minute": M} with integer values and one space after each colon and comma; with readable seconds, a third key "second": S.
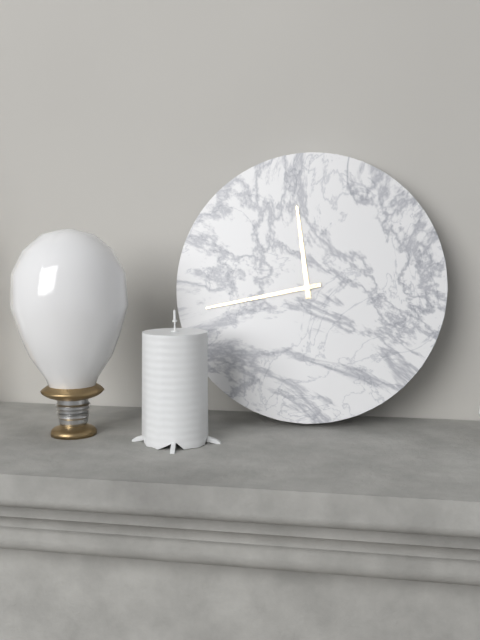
{"hour": 11, "minute": 43}
